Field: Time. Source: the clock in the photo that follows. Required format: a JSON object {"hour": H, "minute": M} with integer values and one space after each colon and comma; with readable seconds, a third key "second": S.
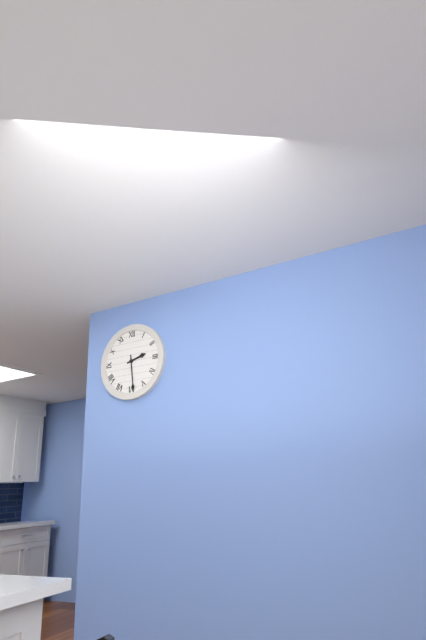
{"hour": 2, "minute": 29}
